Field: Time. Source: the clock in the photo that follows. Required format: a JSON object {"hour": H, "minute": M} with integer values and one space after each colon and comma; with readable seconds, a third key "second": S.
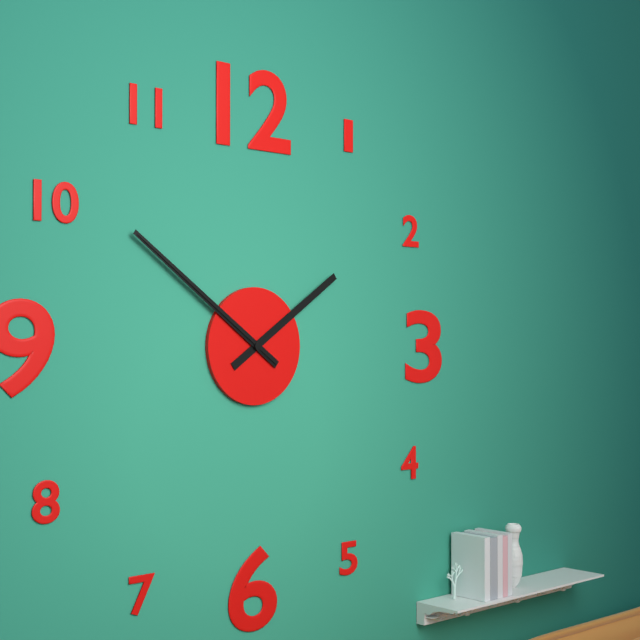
{"hour": 1, "minute": 51, "second": 51}
